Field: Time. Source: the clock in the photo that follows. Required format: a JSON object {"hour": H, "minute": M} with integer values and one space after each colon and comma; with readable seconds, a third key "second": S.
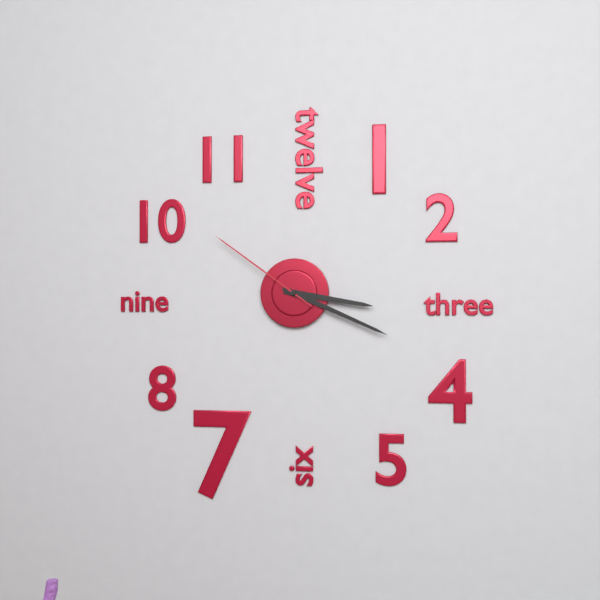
{"hour": 3, "minute": 19, "second": 51}
